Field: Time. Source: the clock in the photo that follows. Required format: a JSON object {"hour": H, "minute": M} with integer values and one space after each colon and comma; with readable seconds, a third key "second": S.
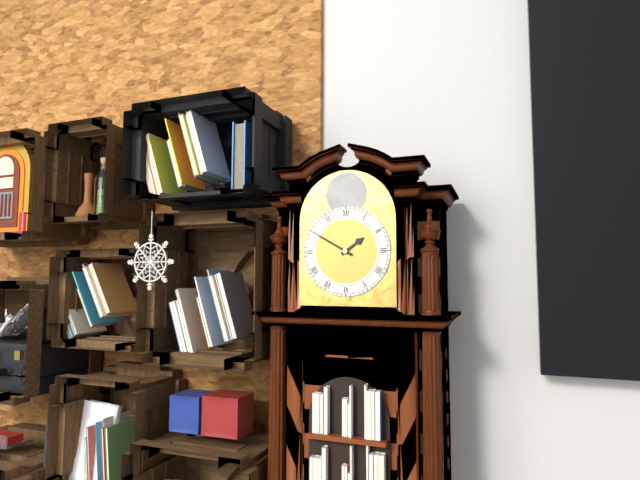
{"hour": 1, "minute": 50}
